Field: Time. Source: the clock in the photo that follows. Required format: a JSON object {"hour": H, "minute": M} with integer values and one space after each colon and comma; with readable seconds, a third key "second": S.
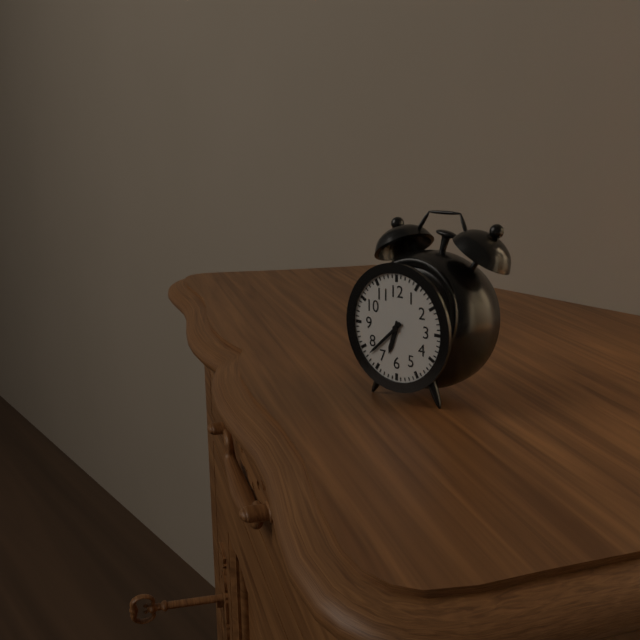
{"hour": 6, "minute": 38}
